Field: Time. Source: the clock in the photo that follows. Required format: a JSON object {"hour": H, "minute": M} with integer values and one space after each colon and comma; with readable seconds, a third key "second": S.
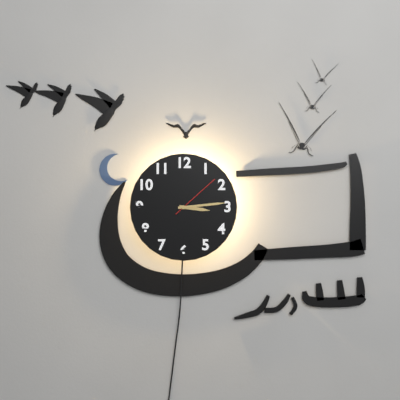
{"hour": 3, "minute": 14, "second": 8}
